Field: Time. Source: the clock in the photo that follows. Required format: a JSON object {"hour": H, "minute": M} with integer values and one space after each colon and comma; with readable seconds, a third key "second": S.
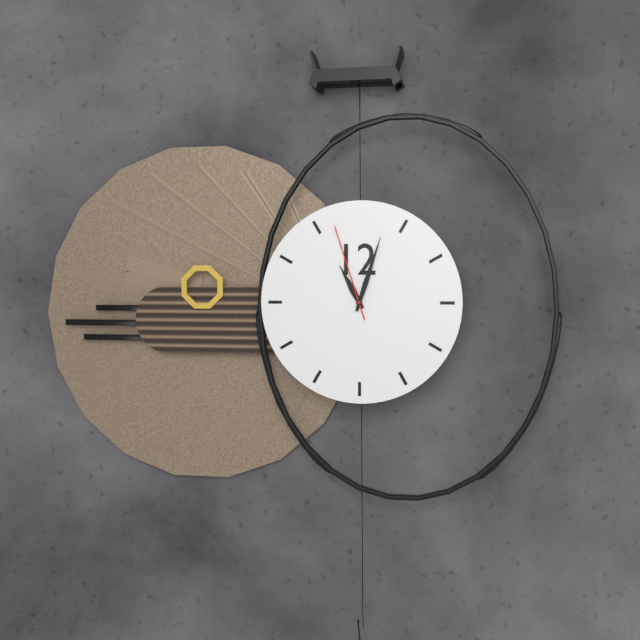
{"hour": 11, "minute": 3, "second": 57}
